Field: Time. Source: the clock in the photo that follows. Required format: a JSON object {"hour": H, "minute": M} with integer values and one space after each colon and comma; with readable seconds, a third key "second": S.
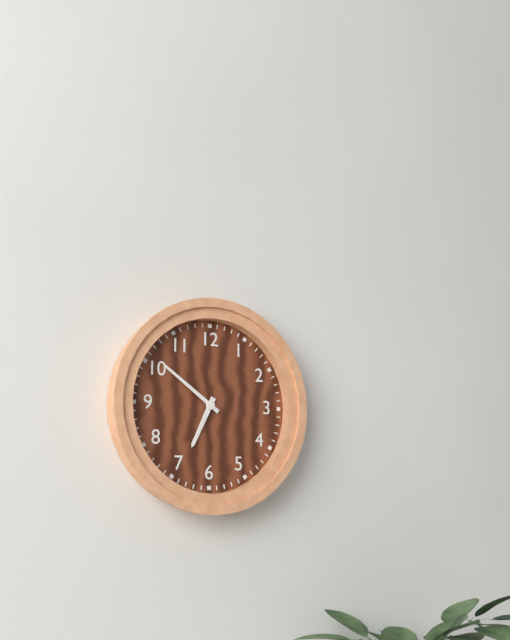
{"hour": 6, "minute": 51}
